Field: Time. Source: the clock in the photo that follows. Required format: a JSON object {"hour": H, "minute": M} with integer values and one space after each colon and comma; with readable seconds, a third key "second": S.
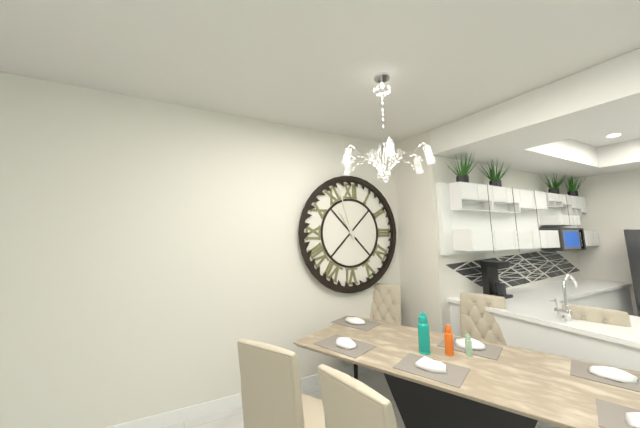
{"hour": 10, "minute": 57}
